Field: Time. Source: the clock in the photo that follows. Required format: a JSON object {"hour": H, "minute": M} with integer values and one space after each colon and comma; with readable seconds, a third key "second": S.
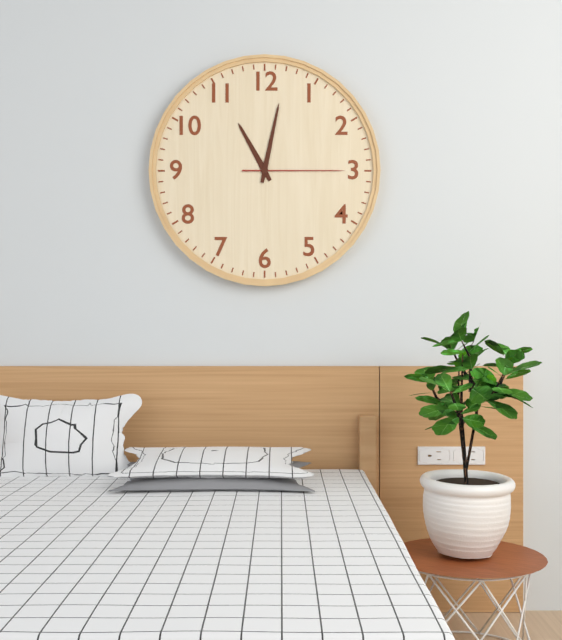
{"hour": 11, "minute": 2, "second": 15}
